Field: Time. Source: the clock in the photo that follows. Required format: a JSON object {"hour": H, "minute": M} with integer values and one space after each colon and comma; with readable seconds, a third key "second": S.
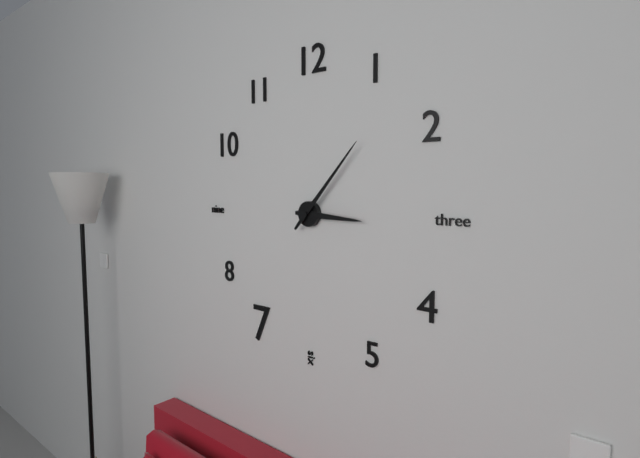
{"hour": 3, "minute": 7}
